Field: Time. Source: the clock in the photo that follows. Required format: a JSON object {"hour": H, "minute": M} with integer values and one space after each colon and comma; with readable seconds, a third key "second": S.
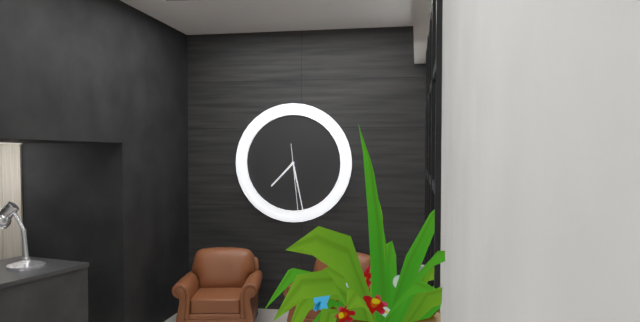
{"hour": 7, "minute": 28, "second": 29}
